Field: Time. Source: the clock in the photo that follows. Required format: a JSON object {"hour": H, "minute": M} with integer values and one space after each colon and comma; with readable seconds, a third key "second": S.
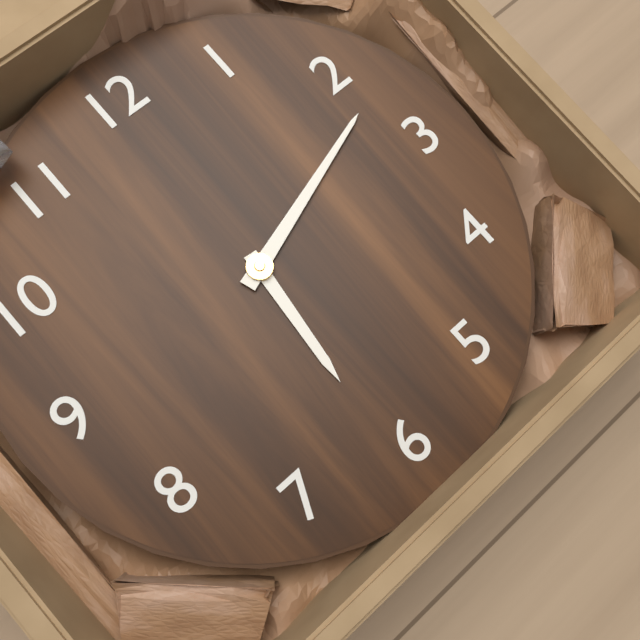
{"hour": 6, "minute": 12}
